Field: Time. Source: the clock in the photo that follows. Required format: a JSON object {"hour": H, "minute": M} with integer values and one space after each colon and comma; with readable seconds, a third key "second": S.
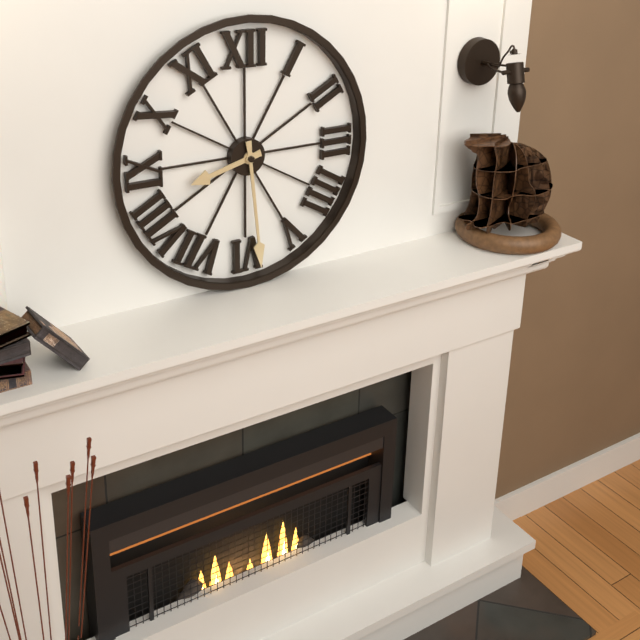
{"hour": 8, "minute": 29}
